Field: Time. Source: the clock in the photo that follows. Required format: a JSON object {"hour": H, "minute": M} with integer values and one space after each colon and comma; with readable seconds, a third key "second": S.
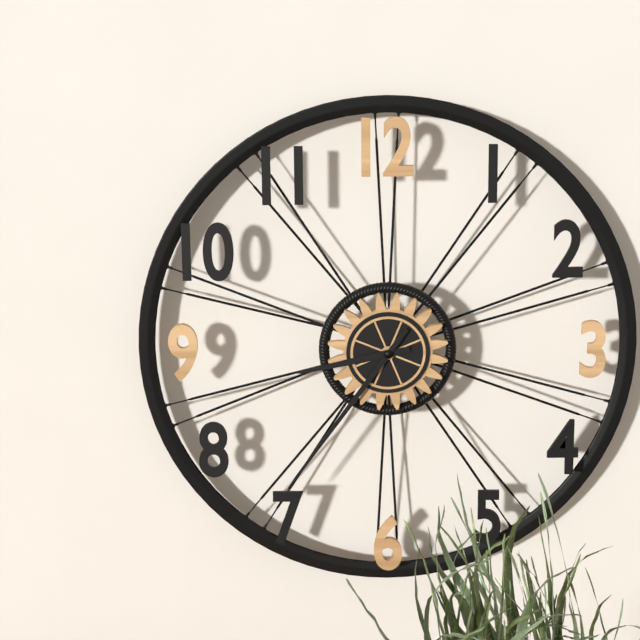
{"hour": 8, "minute": 36}
